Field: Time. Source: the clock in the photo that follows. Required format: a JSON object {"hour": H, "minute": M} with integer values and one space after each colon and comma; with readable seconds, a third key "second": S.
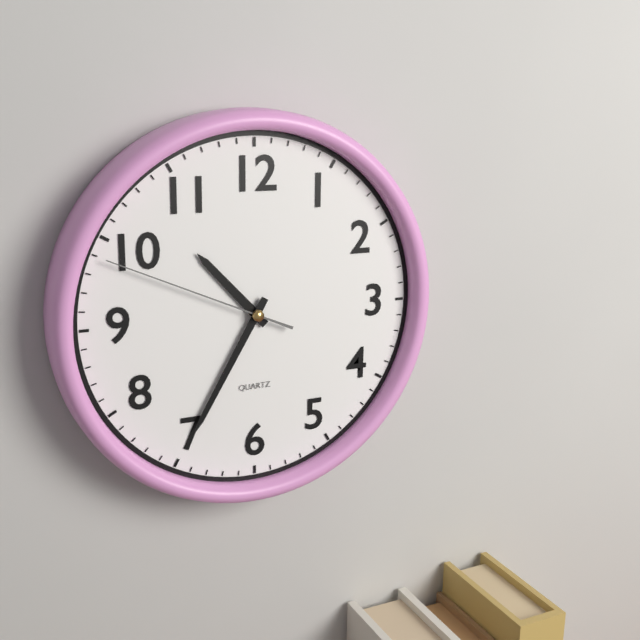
{"hour": 10, "minute": 35, "second": 49}
